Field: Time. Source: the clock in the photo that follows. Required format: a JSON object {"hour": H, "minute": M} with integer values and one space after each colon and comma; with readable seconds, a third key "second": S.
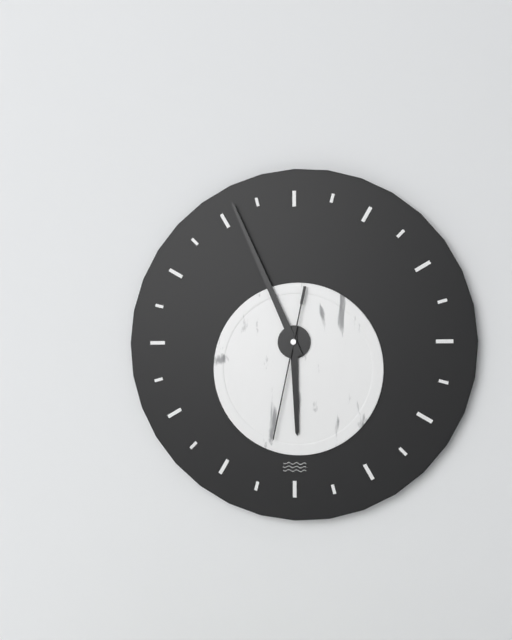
{"hour": 5, "minute": 56, "second": 32}
